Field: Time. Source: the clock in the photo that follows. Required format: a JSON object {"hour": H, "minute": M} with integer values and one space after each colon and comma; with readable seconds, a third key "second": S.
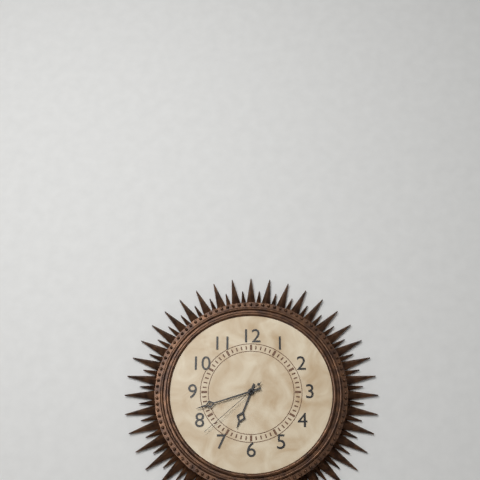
{"hour": 6, "minute": 42, "second": 38}
